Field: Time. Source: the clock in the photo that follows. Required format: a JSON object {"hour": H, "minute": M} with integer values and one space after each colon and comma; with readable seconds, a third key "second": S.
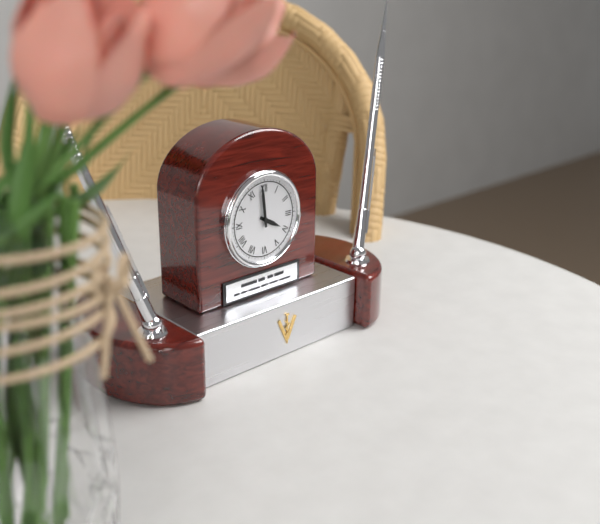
{"hour": 3, "minute": 59}
